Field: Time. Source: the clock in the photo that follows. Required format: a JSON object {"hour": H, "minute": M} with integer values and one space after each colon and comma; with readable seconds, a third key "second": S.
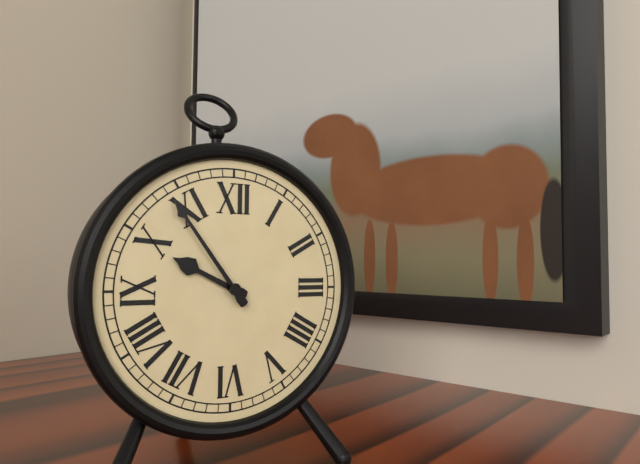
{"hour": 9, "minute": 54}
